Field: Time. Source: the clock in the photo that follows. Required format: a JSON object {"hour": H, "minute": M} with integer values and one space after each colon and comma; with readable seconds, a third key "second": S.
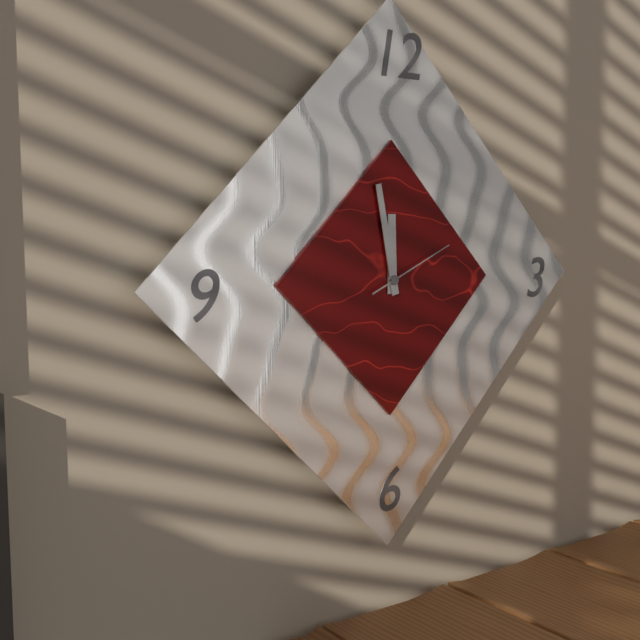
{"hour": 11, "minute": 58, "second": 11}
